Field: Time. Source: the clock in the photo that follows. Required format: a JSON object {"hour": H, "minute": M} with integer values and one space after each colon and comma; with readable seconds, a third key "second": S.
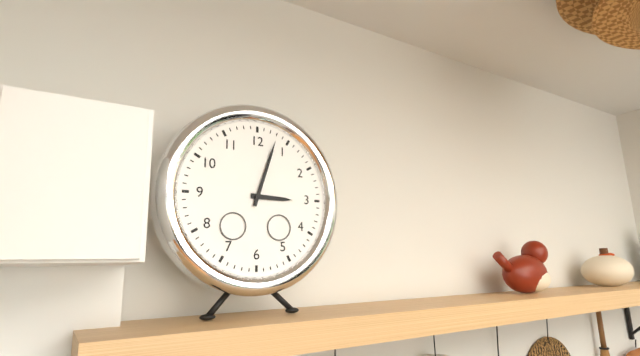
{"hour": 3, "minute": 3}
